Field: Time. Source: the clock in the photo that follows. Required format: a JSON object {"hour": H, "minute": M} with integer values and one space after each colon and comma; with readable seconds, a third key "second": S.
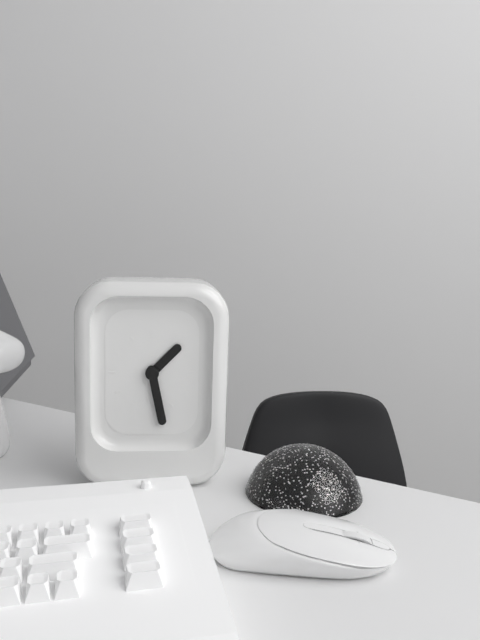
{"hour": 1, "minute": 28}
